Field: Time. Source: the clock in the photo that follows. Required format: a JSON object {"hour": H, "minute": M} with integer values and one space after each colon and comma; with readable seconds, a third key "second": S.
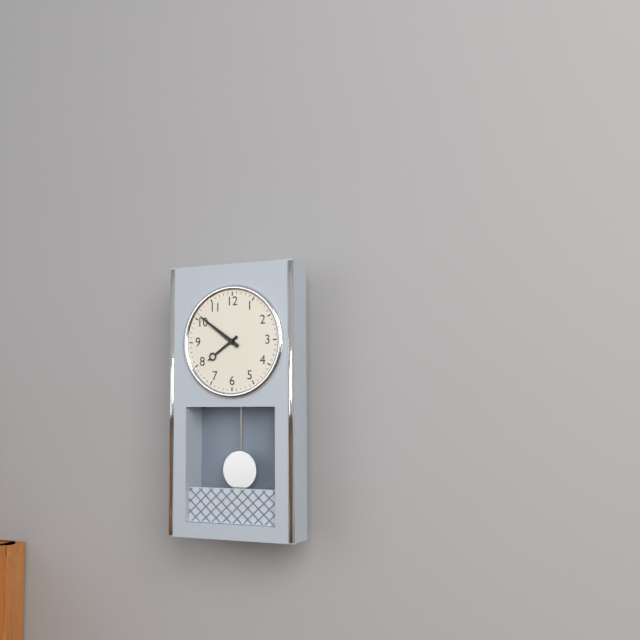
{"hour": 7, "minute": 51}
